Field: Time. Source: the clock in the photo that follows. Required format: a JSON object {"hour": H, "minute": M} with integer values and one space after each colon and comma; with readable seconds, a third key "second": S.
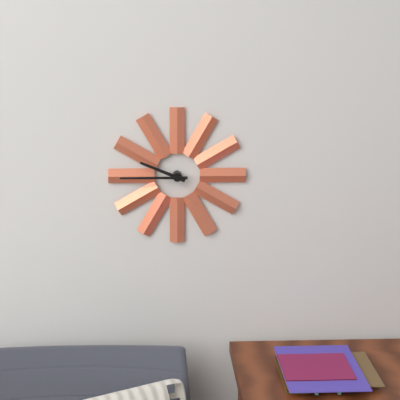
{"hour": 9, "minute": 45}
